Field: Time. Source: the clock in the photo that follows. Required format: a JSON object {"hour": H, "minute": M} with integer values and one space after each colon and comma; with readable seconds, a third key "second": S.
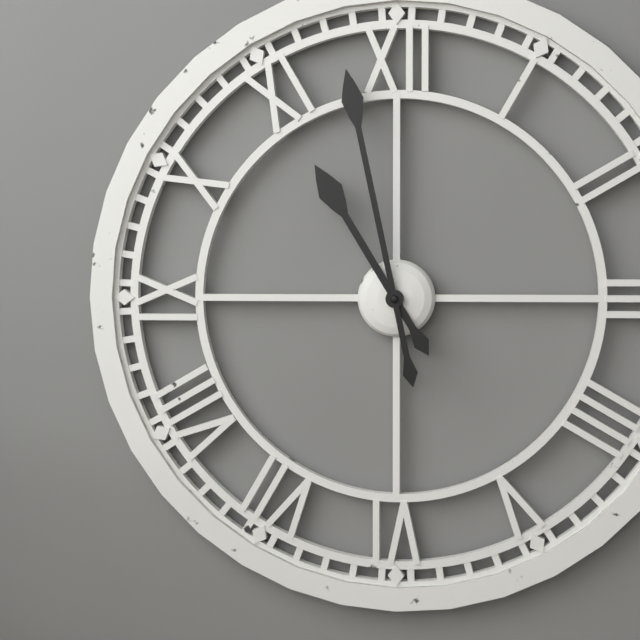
{"hour": 10, "minute": 58}
